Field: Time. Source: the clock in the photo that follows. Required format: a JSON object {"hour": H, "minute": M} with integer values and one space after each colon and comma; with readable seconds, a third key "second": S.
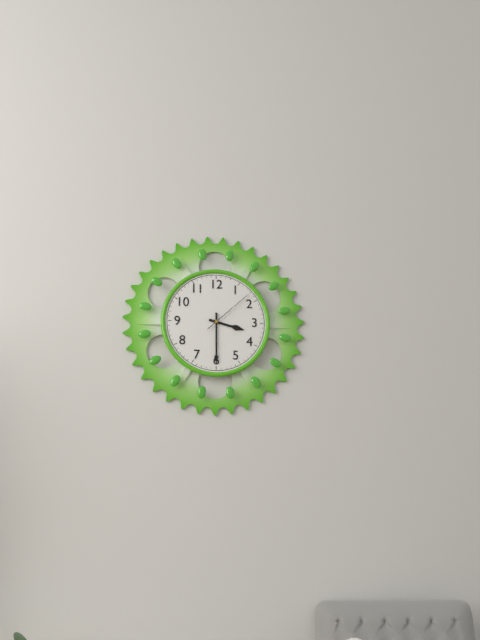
{"hour": 3, "minute": 30, "second": 8}
